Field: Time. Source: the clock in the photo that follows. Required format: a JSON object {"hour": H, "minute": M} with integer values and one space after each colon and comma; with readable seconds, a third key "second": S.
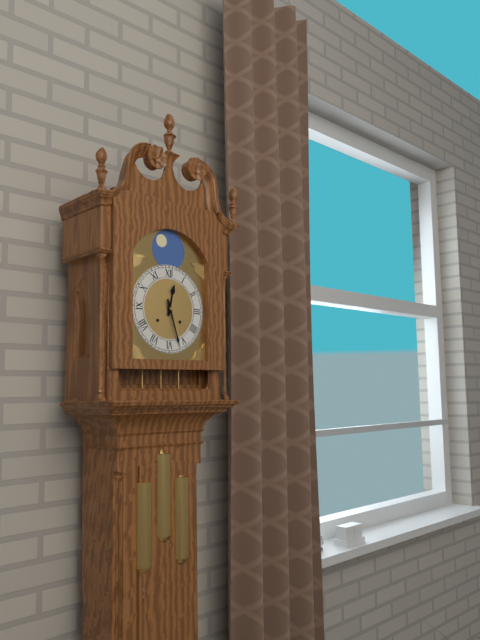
{"hour": 12, "minute": 27}
